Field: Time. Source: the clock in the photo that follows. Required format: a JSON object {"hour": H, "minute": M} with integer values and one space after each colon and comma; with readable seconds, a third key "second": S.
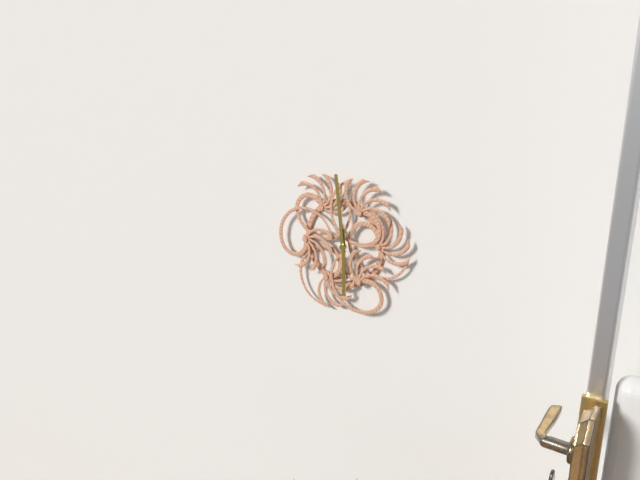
{"hour": 5, "minute": 59}
